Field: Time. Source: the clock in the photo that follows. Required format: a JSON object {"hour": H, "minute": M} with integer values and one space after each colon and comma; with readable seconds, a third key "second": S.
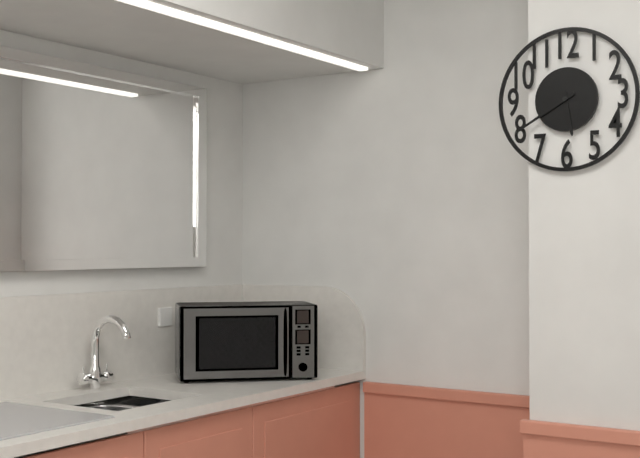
{"hour": 5, "minute": 40}
